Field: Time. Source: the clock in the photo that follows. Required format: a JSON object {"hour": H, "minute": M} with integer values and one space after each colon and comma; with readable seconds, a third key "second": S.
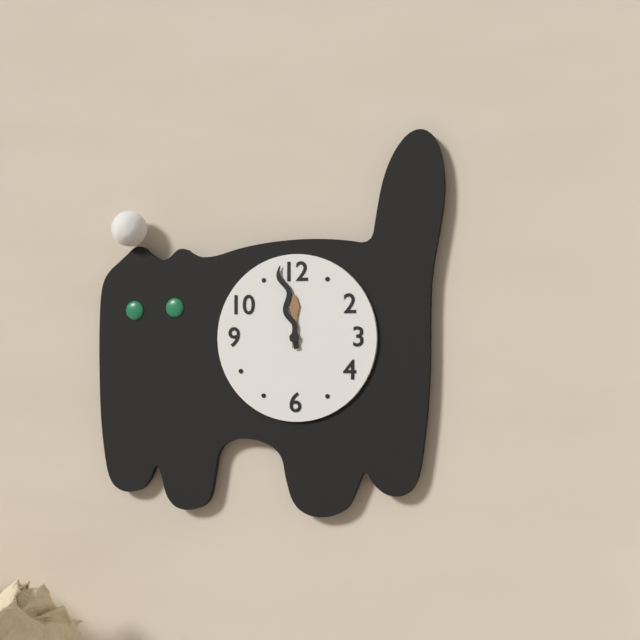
{"hour": 11, "minute": 58}
